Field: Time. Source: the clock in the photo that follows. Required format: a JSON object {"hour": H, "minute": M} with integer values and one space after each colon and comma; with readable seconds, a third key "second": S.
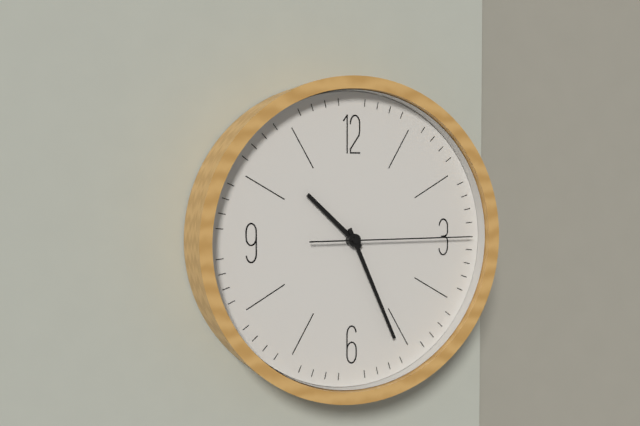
{"hour": 10, "minute": 26, "second": 15}
